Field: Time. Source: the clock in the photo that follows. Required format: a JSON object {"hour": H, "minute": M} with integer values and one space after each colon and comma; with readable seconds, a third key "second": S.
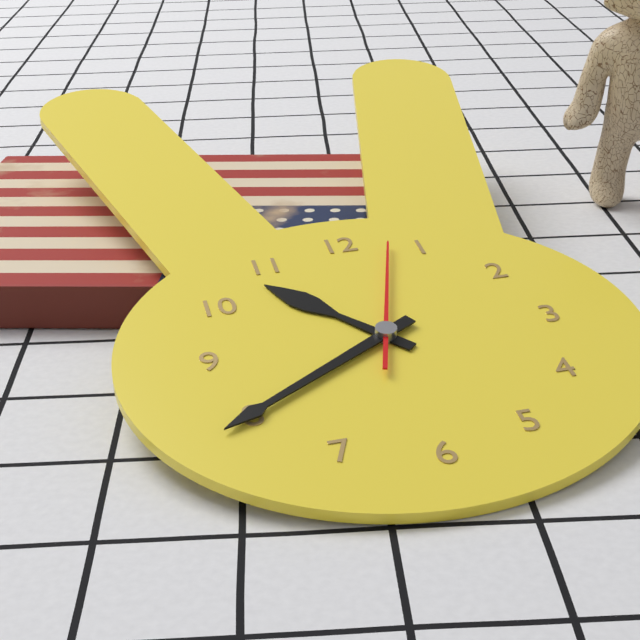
{"hour": 10, "minute": 40, "second": 3}
